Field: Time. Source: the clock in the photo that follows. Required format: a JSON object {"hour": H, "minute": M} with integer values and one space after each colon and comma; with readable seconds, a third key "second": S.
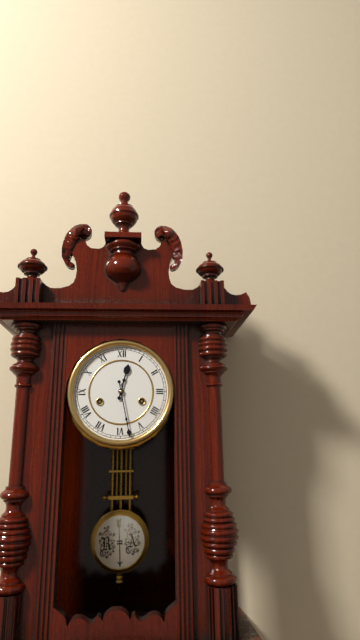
{"hour": 12, "minute": 28}
